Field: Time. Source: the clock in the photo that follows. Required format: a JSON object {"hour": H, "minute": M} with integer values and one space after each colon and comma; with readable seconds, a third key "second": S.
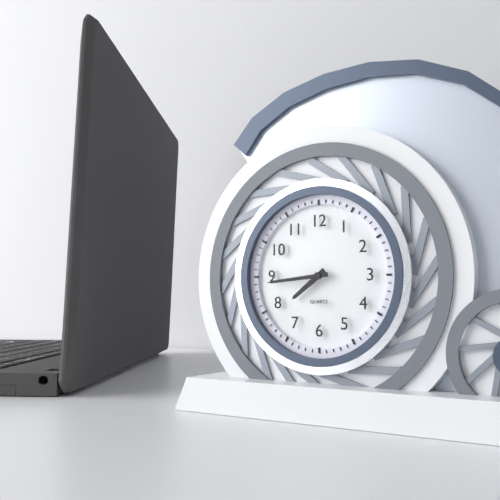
{"hour": 7, "minute": 44}
